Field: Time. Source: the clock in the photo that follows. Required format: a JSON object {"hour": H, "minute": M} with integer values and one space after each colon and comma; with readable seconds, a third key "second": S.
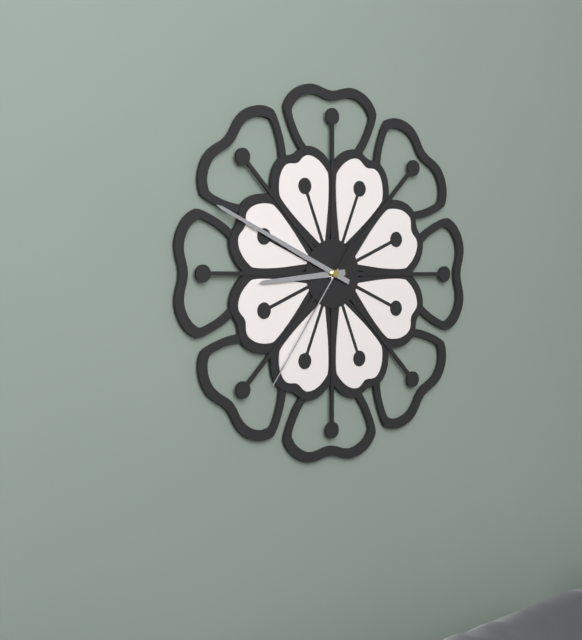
{"hour": 8, "minute": 49, "second": 36}
